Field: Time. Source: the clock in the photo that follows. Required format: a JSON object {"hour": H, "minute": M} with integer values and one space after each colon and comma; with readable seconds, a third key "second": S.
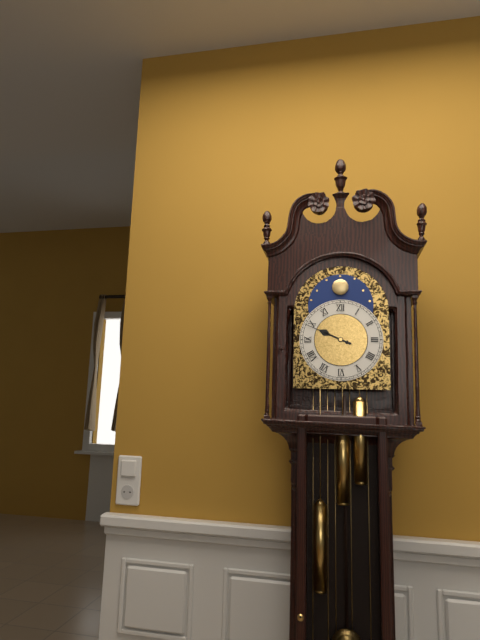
{"hour": 9, "minute": 49}
